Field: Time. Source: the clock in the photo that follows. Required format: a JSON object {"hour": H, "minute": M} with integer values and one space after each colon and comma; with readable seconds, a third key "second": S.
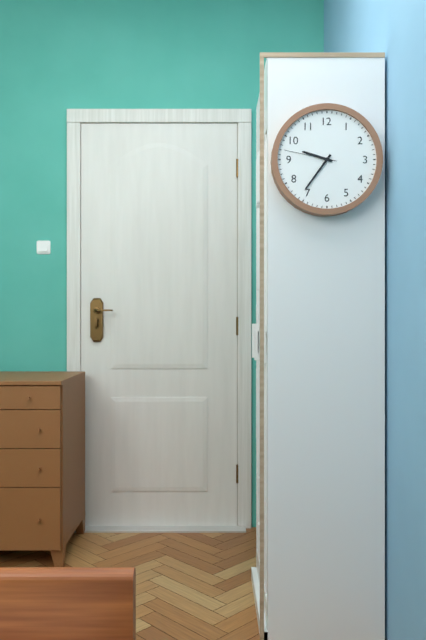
{"hour": 9, "minute": 36, "second": 47}
